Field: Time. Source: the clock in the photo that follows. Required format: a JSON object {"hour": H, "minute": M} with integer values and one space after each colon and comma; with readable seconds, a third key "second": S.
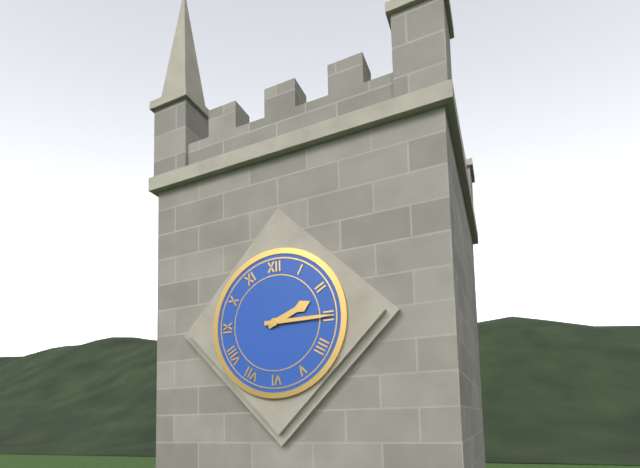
{"hour": 2, "minute": 15}
